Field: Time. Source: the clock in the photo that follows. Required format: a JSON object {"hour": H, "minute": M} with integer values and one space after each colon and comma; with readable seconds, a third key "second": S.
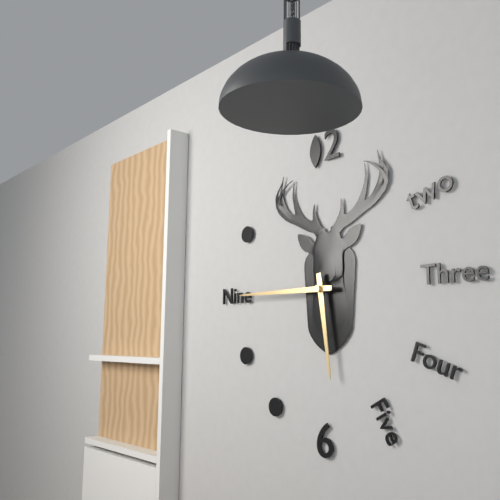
{"hour": 5, "minute": 45}
